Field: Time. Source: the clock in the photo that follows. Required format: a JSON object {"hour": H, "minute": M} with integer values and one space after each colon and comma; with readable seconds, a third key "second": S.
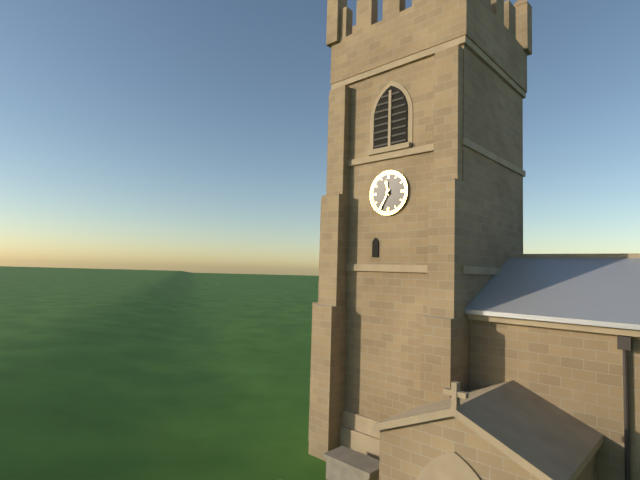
{"hour": 11, "minute": 35}
